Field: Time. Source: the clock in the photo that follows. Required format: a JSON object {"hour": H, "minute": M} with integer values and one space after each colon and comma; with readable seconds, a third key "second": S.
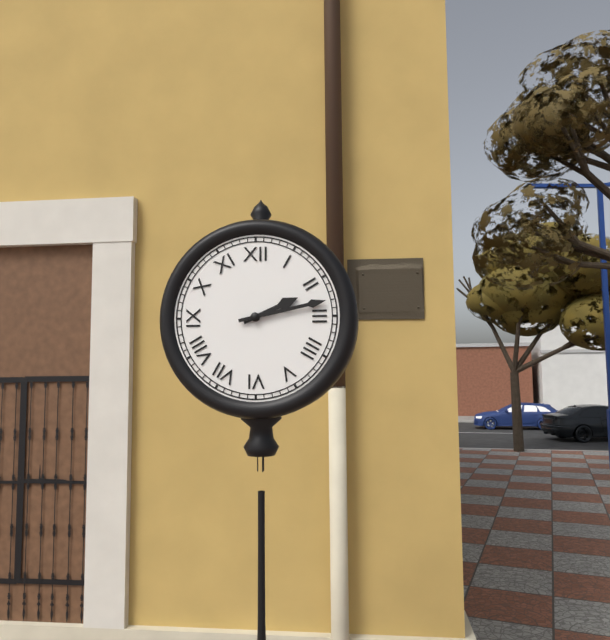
{"hour": 2, "minute": 13}
